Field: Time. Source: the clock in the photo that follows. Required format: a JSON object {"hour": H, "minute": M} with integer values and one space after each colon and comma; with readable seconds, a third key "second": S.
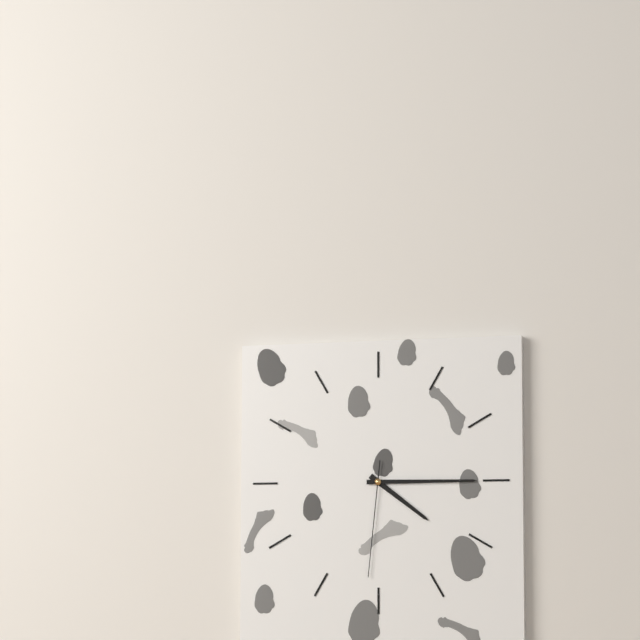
{"hour": 4, "minute": 15, "second": 31}
